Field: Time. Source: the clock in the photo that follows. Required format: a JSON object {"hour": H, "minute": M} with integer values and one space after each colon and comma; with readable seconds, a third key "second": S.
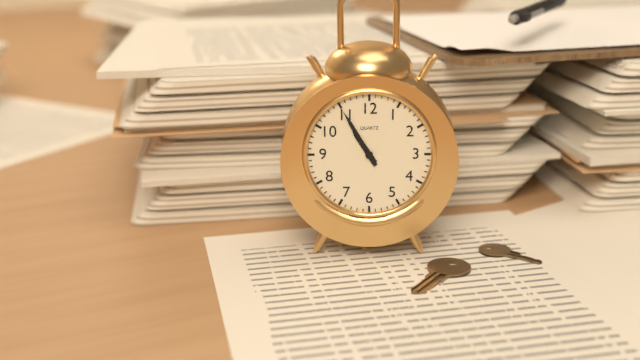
{"hour": 10, "minute": 55}
